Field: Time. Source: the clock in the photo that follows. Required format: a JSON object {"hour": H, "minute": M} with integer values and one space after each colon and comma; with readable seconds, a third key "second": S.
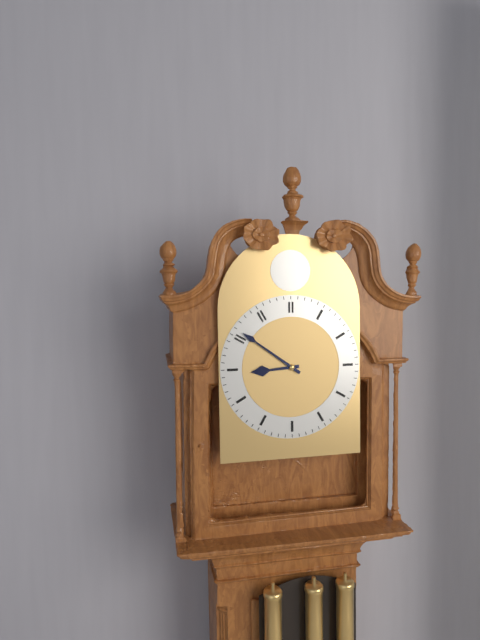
{"hour": 8, "minute": 51}
